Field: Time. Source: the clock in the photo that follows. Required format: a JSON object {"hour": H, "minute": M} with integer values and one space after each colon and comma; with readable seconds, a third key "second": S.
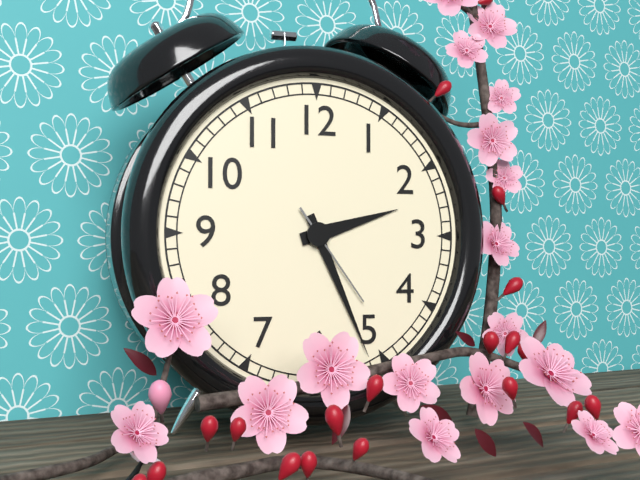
{"hour": 2, "minute": 26, "second": 24}
